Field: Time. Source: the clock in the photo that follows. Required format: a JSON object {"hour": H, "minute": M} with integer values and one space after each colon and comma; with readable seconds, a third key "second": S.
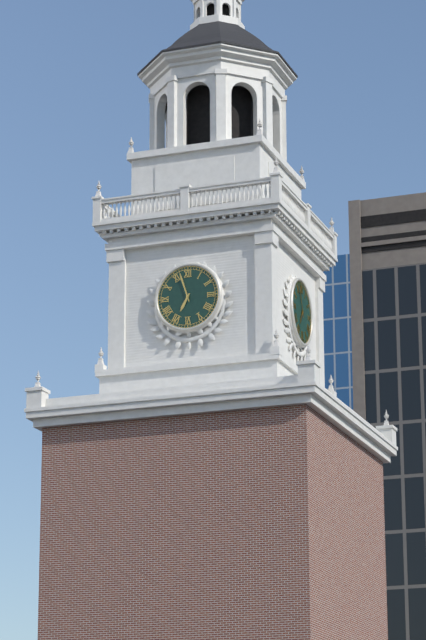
{"hour": 6, "minute": 57}
